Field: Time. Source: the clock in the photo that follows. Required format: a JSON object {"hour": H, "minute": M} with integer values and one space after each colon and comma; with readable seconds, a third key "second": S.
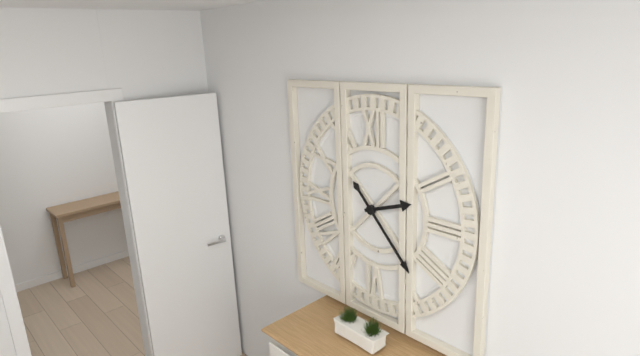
{"hour": 2, "minute": 23}
